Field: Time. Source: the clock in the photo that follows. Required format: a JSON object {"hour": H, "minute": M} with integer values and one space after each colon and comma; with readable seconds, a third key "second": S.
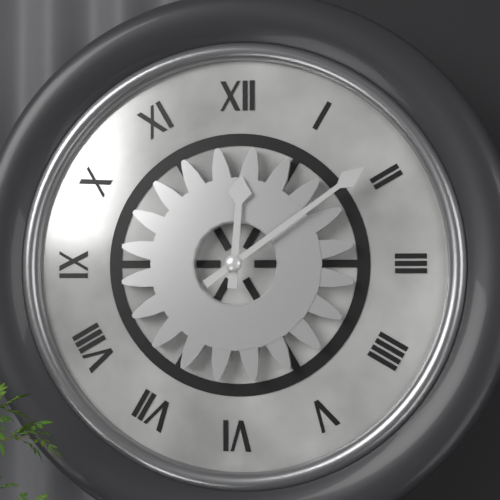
{"hour": 12, "minute": 9}
